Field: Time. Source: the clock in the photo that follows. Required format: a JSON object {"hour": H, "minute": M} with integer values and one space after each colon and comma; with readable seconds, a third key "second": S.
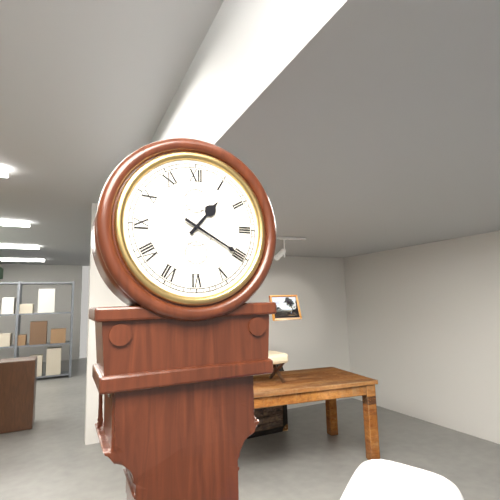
{"hour": 1, "minute": 20}
